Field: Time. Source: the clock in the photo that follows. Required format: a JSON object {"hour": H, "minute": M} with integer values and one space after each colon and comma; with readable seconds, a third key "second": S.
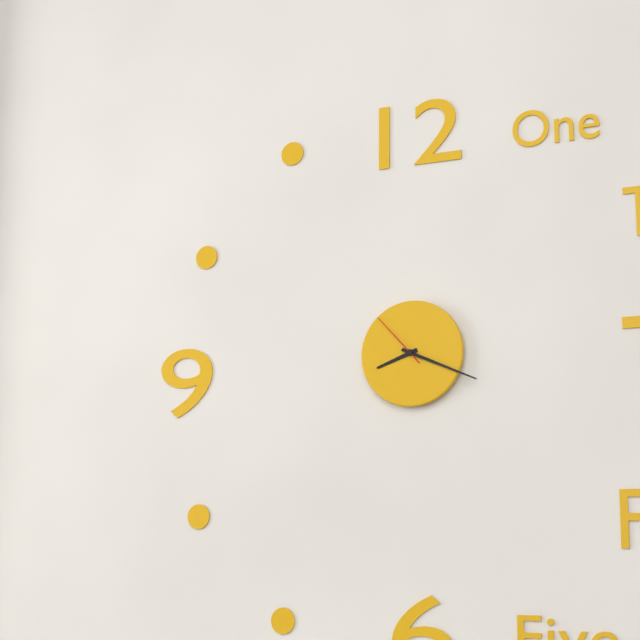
{"hour": 8, "minute": 19, "second": 53}
